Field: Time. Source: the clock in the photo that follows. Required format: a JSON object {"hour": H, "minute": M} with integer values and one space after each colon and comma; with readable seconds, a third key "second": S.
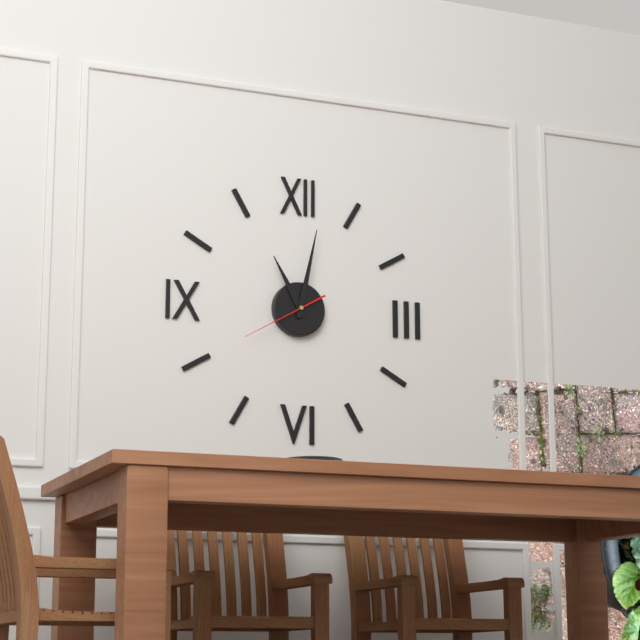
{"hour": 11, "minute": 2, "second": 40}
